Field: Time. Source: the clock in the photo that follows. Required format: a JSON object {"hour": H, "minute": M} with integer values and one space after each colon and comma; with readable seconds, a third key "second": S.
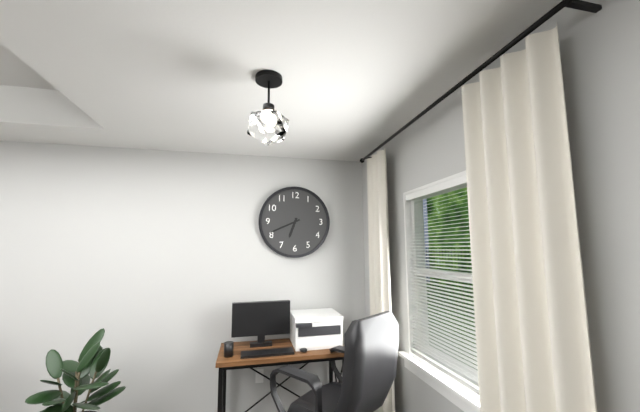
{"hour": 6, "minute": 41}
